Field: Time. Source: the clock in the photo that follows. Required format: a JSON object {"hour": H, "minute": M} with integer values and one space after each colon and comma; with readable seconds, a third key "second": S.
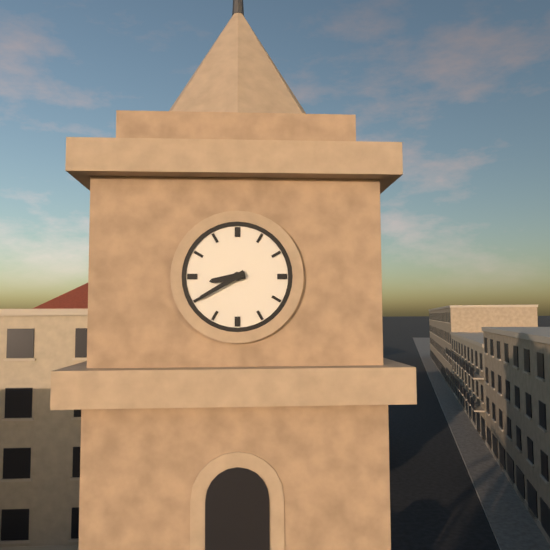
{"hour": 8, "minute": 40}
